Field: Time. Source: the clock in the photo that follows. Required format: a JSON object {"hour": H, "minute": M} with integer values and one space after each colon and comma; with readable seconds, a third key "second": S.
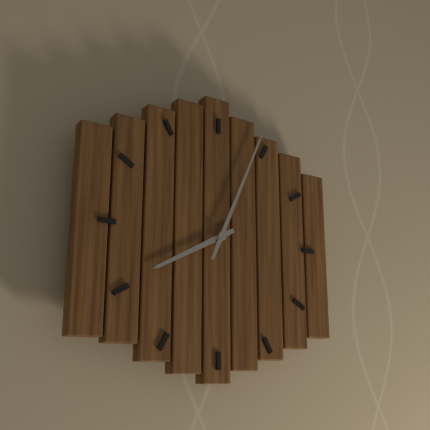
{"hour": 8, "minute": 4}
